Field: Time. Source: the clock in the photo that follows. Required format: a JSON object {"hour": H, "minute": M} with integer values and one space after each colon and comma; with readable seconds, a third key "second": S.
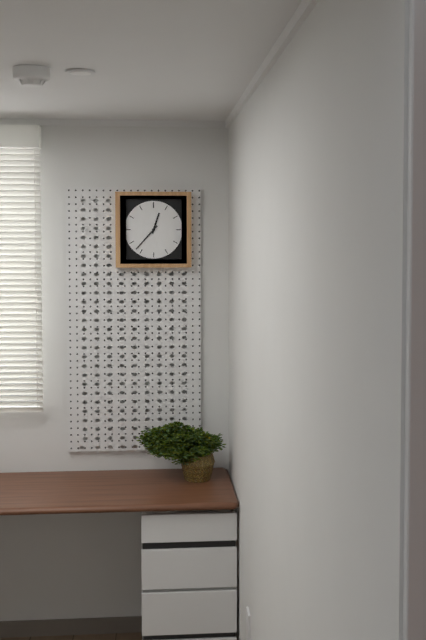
{"hour": 12, "minute": 37}
